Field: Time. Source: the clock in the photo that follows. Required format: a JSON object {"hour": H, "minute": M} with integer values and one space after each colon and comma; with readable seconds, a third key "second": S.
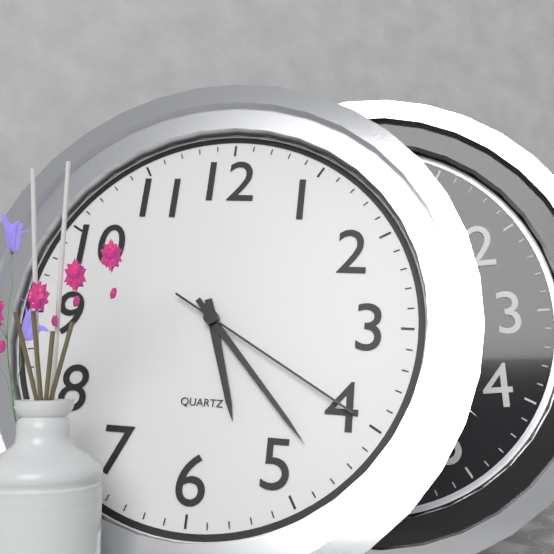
{"hour": 5, "minute": 23, "second": 20}
